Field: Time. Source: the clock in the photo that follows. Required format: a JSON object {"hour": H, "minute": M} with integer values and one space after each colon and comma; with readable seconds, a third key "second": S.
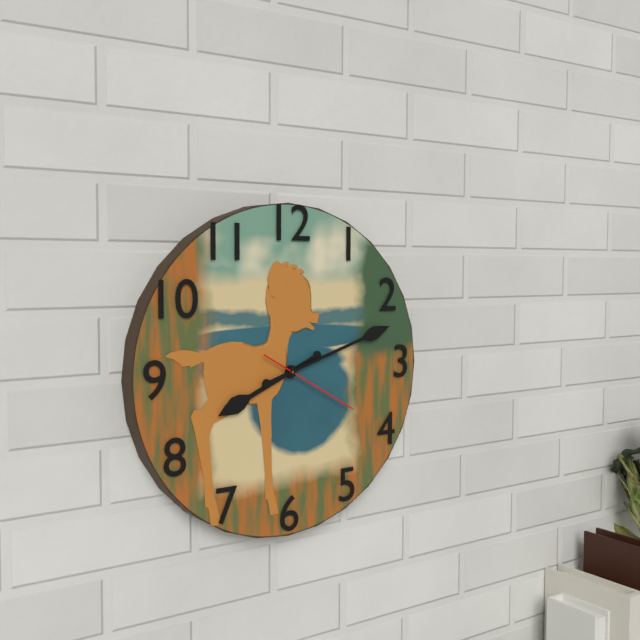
{"hour": 8, "minute": 12, "second": 20}
